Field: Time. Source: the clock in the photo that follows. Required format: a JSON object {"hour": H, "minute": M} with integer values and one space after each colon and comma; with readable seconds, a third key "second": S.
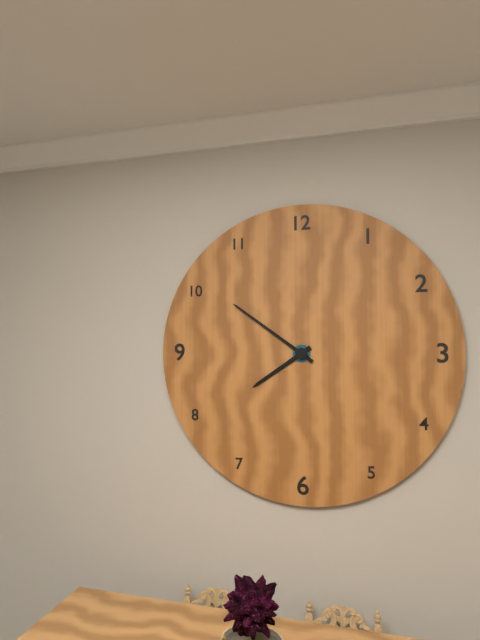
{"hour": 7, "minute": 51}
